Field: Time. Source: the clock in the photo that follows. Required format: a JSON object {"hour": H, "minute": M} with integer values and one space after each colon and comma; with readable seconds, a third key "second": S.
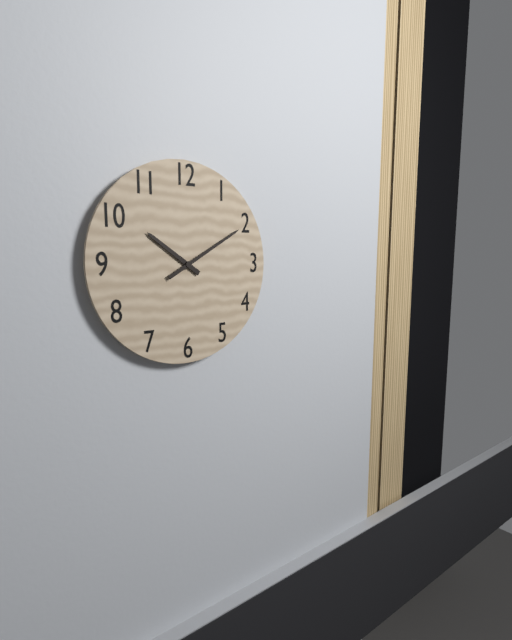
{"hour": 10, "minute": 10}
